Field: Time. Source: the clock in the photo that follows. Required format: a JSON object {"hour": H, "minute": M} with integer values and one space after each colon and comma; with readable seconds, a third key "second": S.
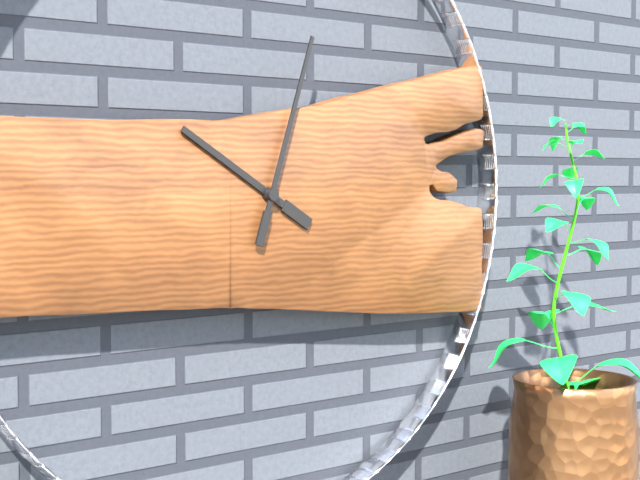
{"hour": 10, "minute": 3}
